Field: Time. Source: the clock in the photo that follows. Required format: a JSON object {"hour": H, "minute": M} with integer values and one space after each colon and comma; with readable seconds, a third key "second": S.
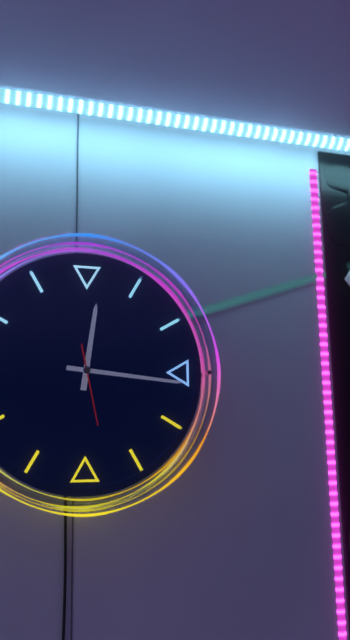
{"hour": 12, "minute": 16, "second": 28}
